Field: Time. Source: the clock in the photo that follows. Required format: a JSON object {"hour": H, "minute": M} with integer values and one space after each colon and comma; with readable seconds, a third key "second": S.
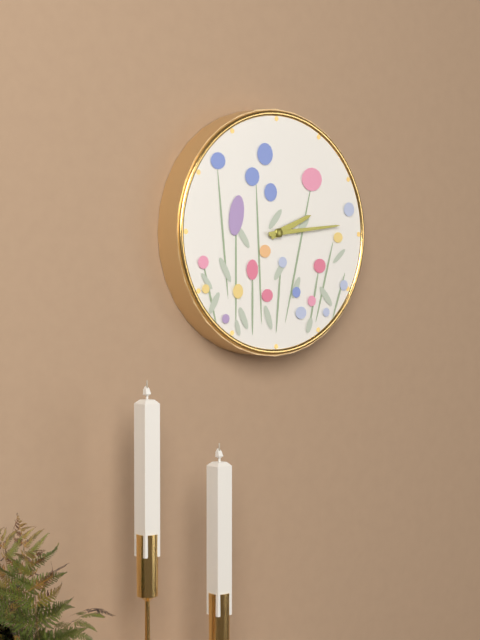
{"hour": 2, "minute": 14}
